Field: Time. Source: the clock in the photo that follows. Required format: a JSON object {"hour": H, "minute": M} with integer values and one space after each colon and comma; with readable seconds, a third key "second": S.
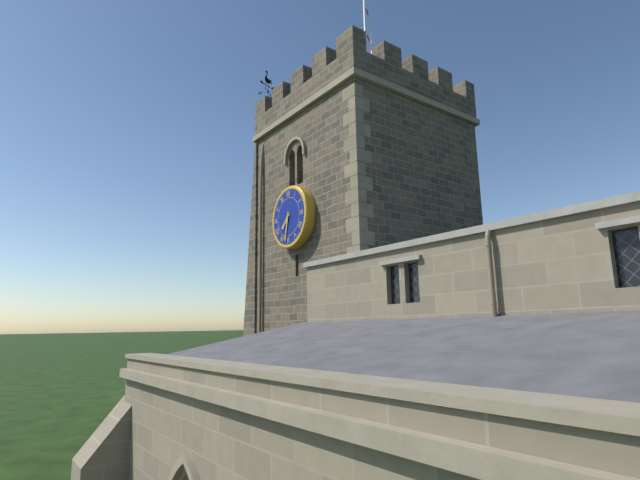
{"hour": 7, "minute": 32}
